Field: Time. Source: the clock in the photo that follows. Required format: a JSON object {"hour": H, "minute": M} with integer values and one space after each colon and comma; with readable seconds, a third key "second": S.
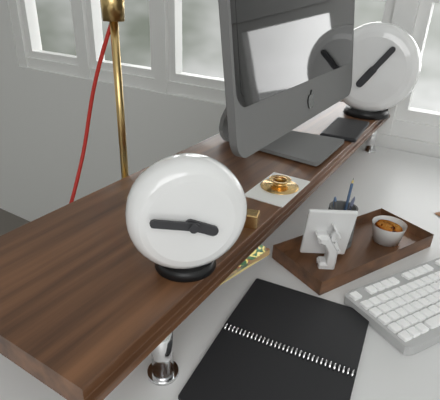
{"hour": 3, "minute": 47}
